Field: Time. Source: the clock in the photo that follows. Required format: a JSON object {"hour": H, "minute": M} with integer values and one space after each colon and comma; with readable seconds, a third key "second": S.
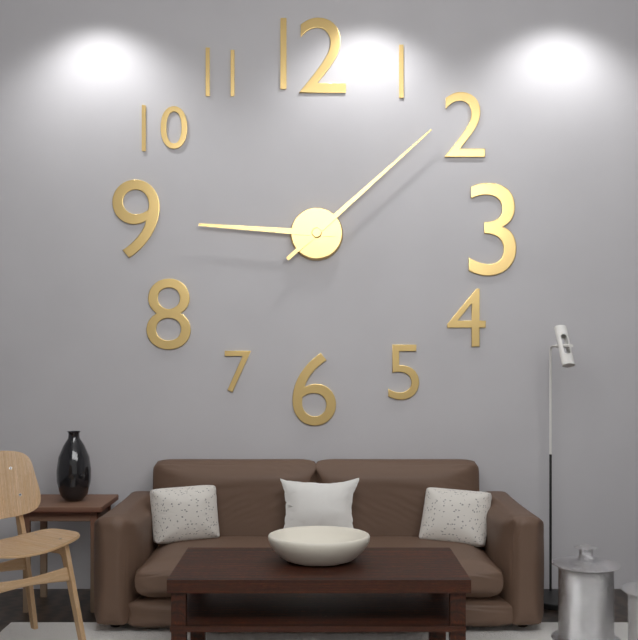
{"hour": 9, "minute": 8}
